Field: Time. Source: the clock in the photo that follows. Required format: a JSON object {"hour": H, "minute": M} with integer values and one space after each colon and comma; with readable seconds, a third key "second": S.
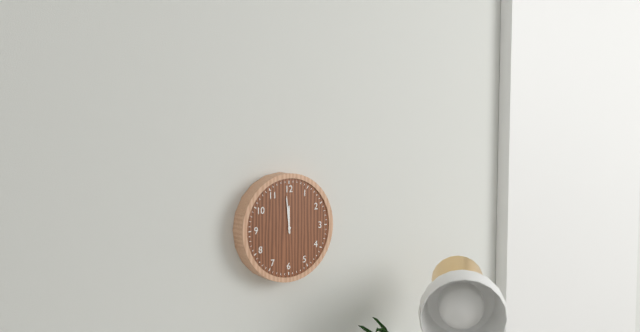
{"hour": 11, "minute": 59}
